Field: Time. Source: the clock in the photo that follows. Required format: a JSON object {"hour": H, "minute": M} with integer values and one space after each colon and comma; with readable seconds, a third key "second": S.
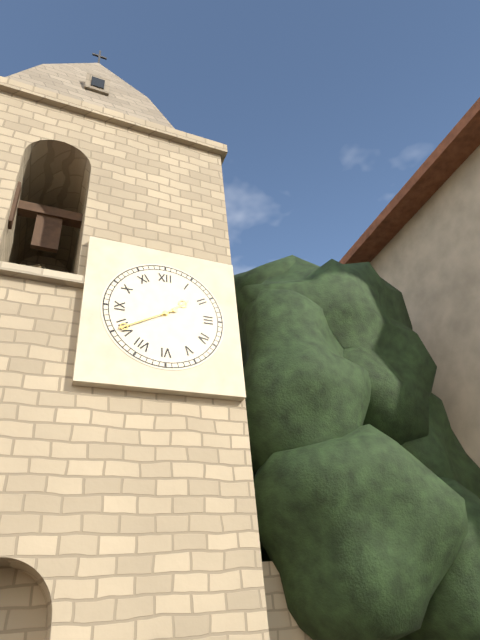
{"hour": 1, "minute": 40}
